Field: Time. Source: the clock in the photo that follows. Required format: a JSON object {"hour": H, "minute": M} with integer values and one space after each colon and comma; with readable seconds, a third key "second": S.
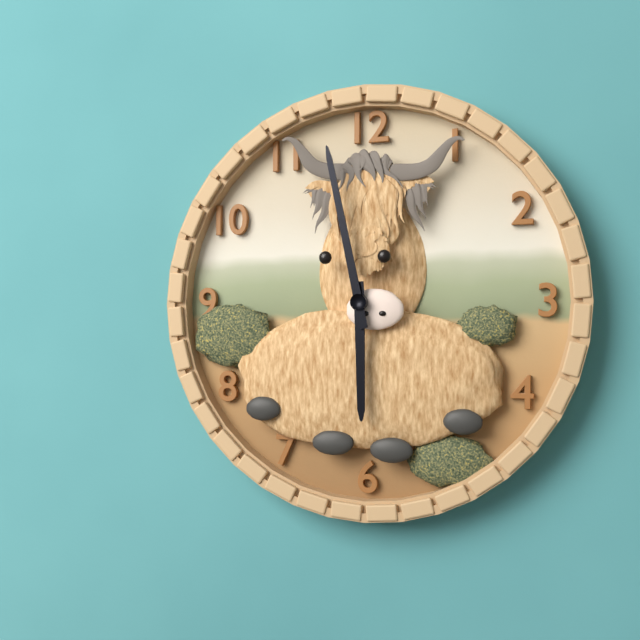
{"hour": 5, "minute": 58}
